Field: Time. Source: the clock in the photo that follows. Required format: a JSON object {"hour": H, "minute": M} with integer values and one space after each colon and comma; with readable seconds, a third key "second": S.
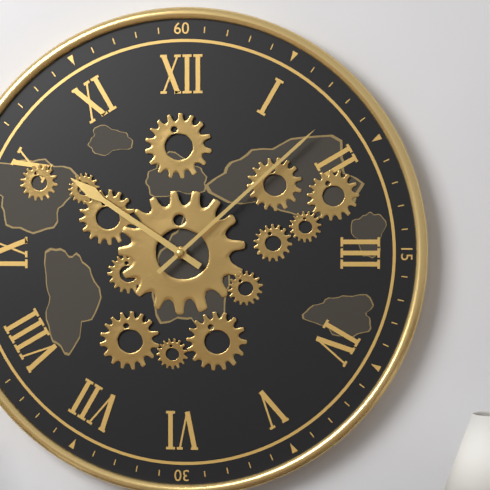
{"hour": 10, "minute": 8}
